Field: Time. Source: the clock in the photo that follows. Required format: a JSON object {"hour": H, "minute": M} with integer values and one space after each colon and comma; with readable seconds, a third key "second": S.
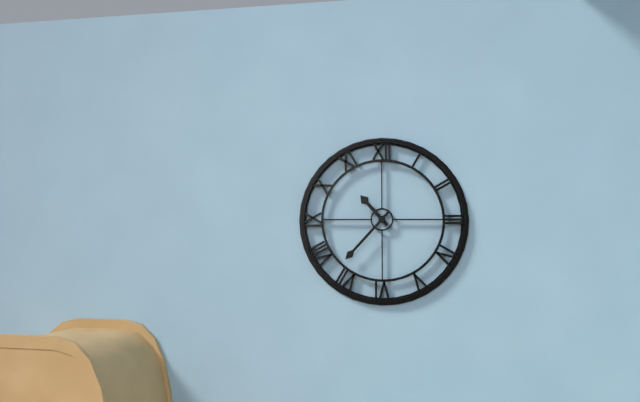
{"hour": 10, "minute": 37}
